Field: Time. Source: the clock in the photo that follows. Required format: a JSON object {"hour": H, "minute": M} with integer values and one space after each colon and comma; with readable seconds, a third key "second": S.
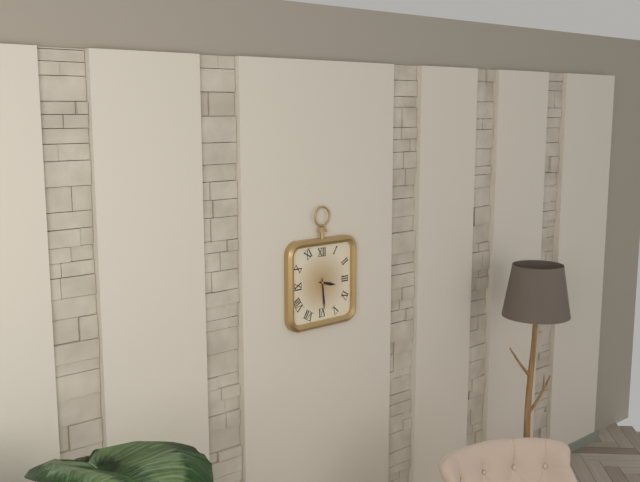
{"hour": 3, "minute": 29}
